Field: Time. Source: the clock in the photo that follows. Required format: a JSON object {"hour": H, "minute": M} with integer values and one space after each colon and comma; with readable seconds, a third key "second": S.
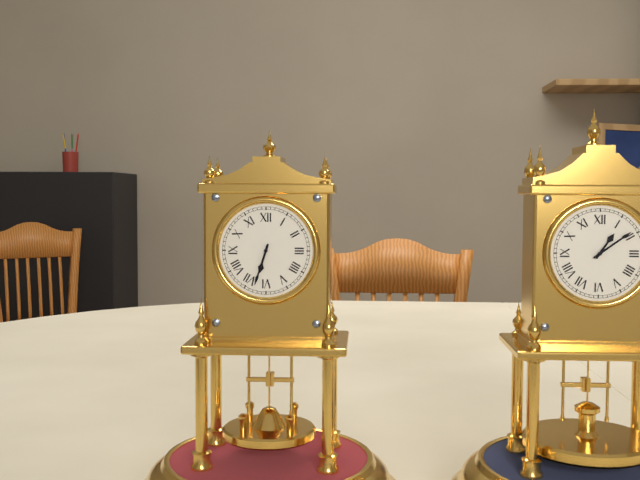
{"hour": 6, "minute": 33}
